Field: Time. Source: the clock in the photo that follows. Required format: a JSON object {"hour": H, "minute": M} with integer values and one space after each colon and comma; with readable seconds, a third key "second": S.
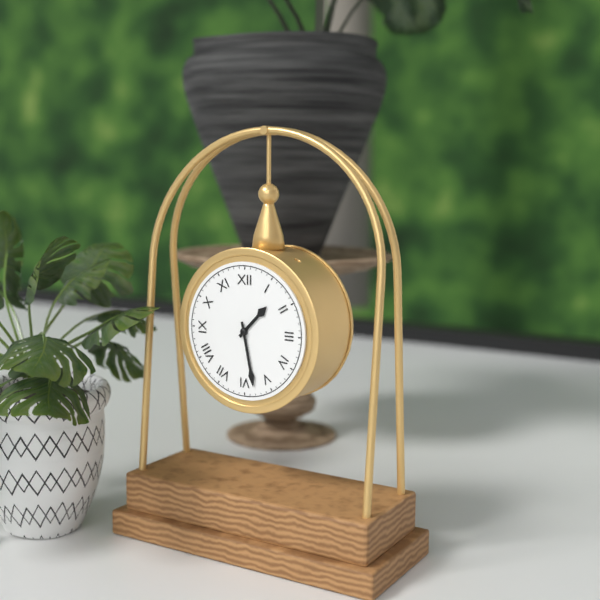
{"hour": 1, "minute": 28}
